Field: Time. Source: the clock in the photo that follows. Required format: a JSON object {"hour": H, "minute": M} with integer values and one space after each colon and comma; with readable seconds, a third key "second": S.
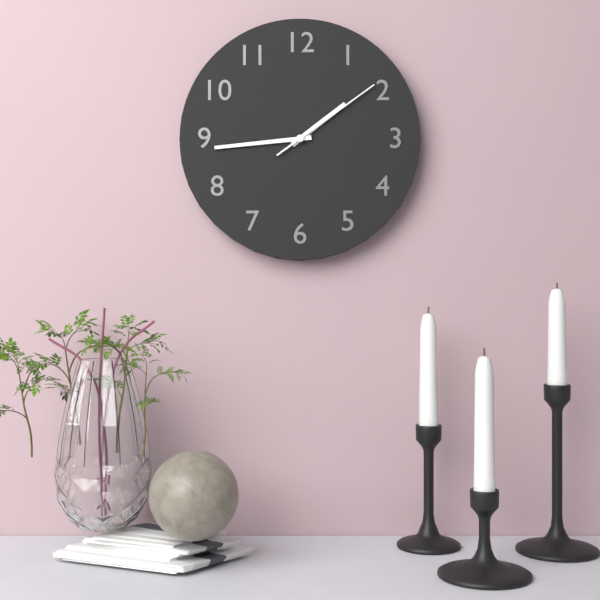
{"hour": 1, "minute": 44, "second": 9}
